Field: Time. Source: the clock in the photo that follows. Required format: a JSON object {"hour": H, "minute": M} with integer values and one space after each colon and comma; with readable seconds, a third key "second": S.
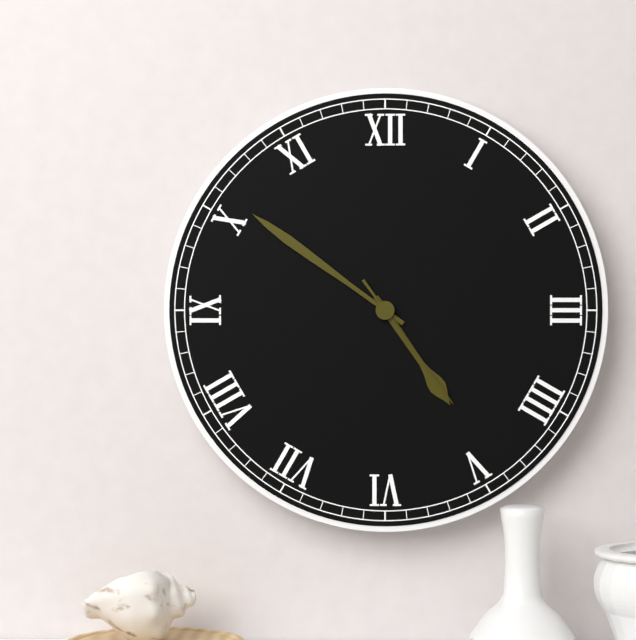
{"hour": 4, "minute": 51, "second": 24}
